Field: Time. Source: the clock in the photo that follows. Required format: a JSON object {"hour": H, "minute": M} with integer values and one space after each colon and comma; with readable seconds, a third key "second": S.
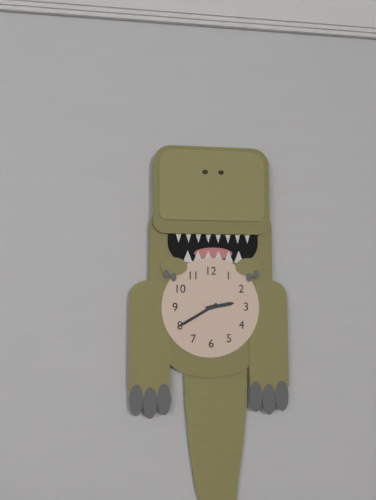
{"hour": 2, "minute": 40}
